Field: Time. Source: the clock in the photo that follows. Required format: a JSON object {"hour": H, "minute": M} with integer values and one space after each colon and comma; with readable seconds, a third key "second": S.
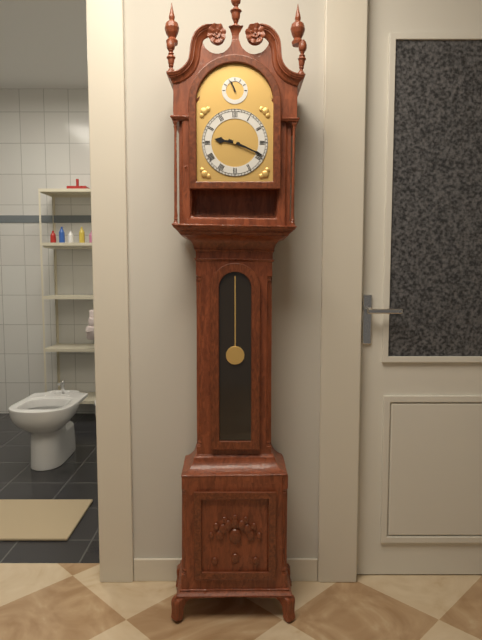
{"hour": 9, "minute": 19}
